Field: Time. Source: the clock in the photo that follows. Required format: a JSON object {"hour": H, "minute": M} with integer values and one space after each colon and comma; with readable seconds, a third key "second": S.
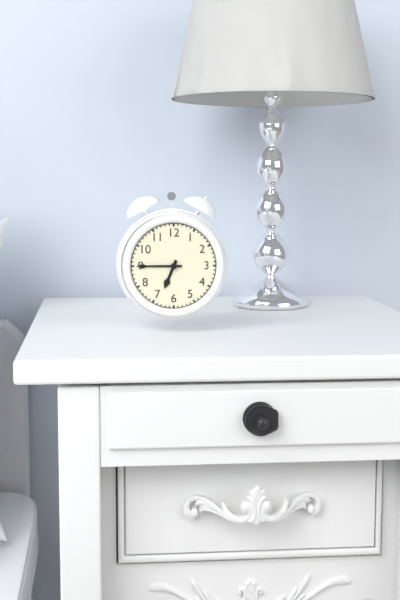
{"hour": 6, "minute": 45}
